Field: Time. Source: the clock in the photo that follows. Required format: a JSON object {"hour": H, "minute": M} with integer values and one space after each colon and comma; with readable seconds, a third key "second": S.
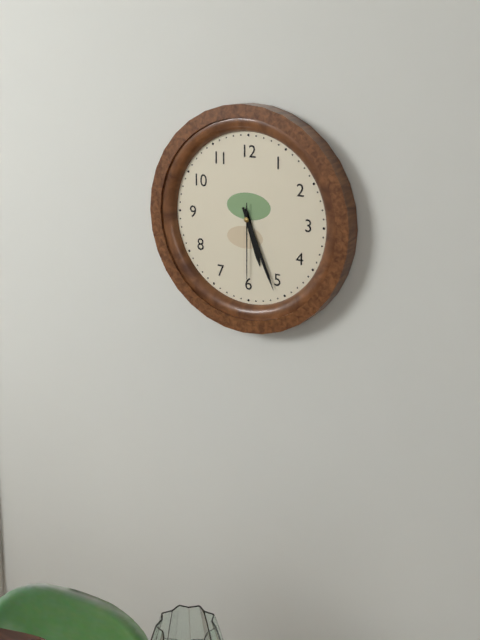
{"hour": 5, "minute": 26, "second": 30}
